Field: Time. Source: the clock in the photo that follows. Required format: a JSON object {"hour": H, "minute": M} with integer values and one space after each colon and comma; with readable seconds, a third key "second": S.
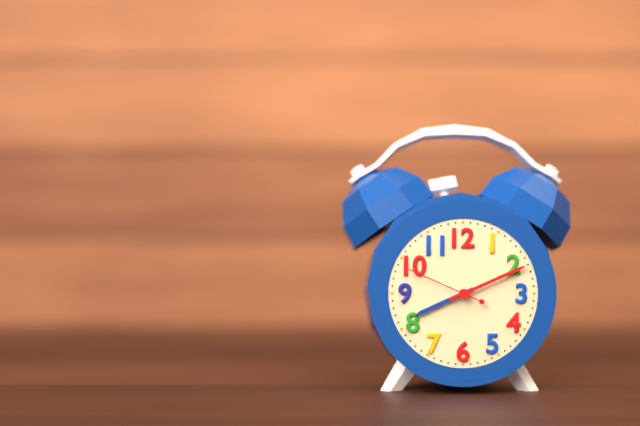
{"hour": 8, "minute": 11, "second": 49}
